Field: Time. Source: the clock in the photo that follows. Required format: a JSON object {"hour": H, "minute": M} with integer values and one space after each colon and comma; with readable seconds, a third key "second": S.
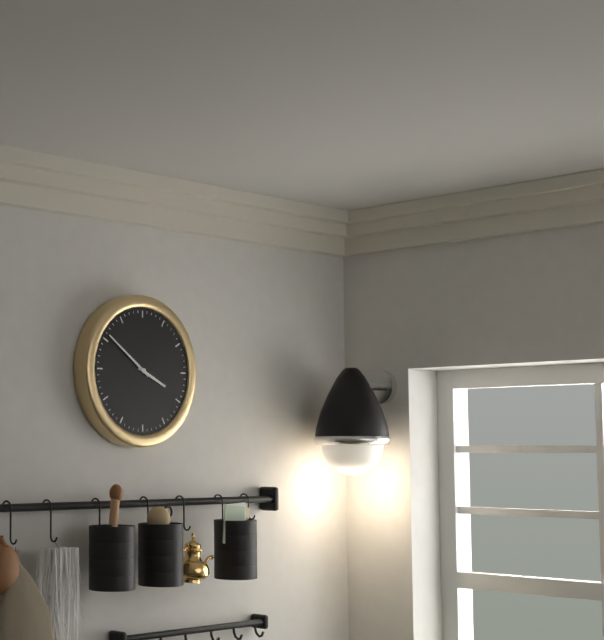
{"hour": 3, "minute": 51}
